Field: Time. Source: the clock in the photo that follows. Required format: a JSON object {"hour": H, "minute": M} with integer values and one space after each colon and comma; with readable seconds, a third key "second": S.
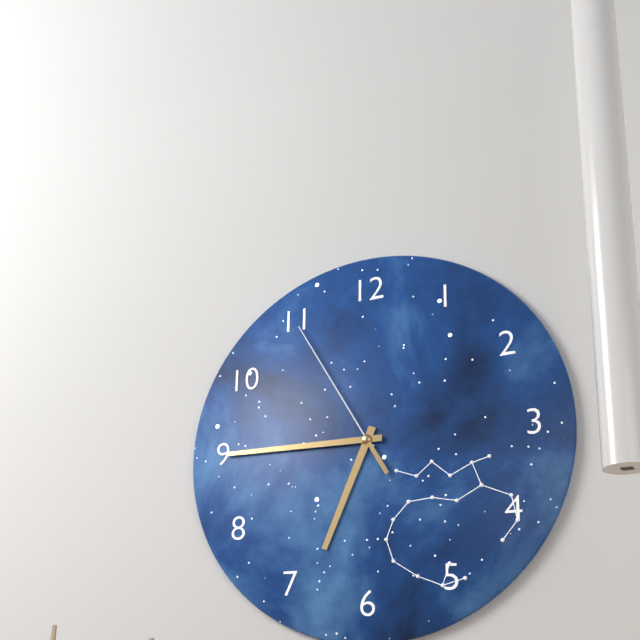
{"hour": 6, "minute": 45, "second": 55}
